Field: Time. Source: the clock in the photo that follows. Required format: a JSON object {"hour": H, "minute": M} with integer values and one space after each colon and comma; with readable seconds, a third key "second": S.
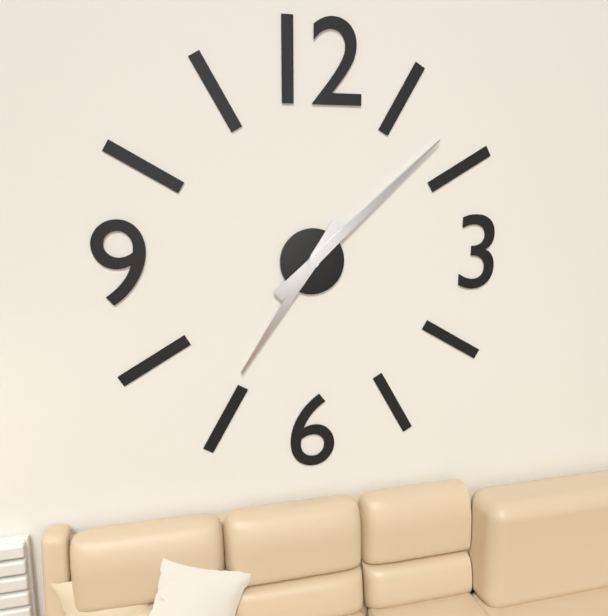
{"hour": 7, "minute": 8}
